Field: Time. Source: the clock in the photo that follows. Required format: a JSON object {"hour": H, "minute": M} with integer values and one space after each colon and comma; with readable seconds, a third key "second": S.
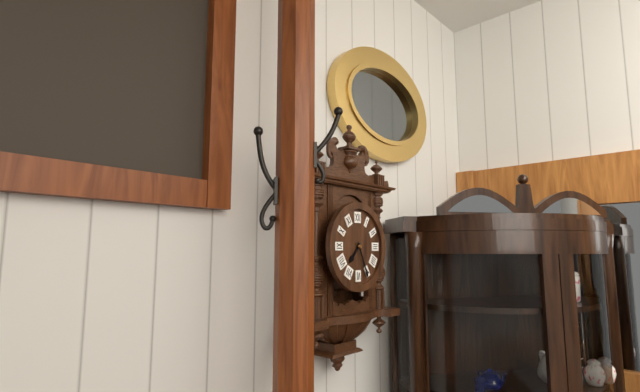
{"hour": 7, "minute": 26}
